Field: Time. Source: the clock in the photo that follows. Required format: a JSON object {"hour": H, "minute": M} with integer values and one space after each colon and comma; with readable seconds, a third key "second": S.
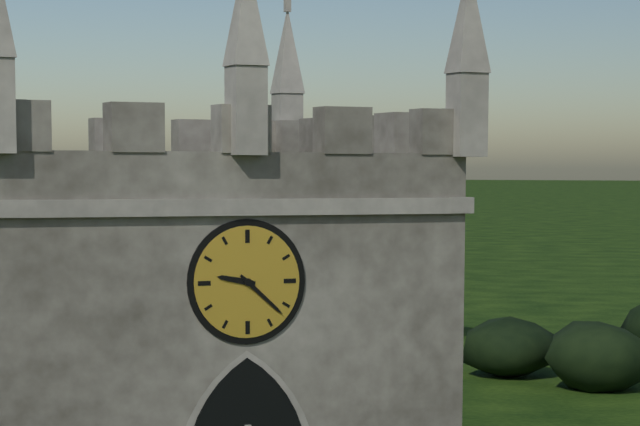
{"hour": 9, "minute": 22}
